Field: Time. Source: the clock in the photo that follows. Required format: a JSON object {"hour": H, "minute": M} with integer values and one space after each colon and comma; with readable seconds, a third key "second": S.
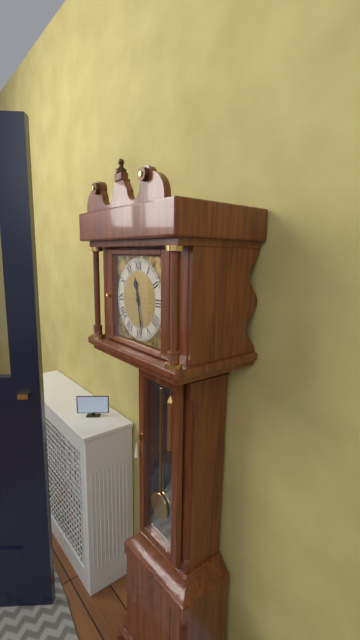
{"hour": 11, "minute": 28}
